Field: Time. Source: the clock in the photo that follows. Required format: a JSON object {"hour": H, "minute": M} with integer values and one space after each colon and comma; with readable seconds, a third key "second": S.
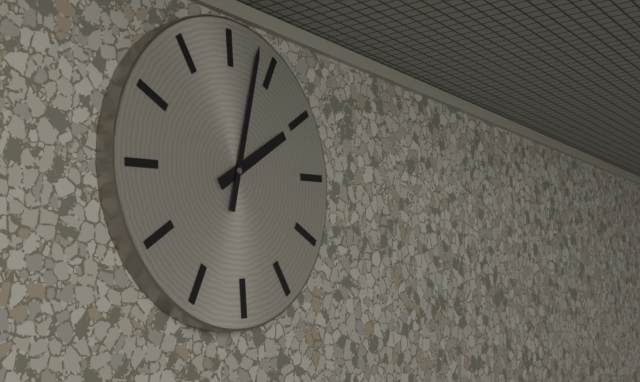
{"hour": 2, "minute": 3}
